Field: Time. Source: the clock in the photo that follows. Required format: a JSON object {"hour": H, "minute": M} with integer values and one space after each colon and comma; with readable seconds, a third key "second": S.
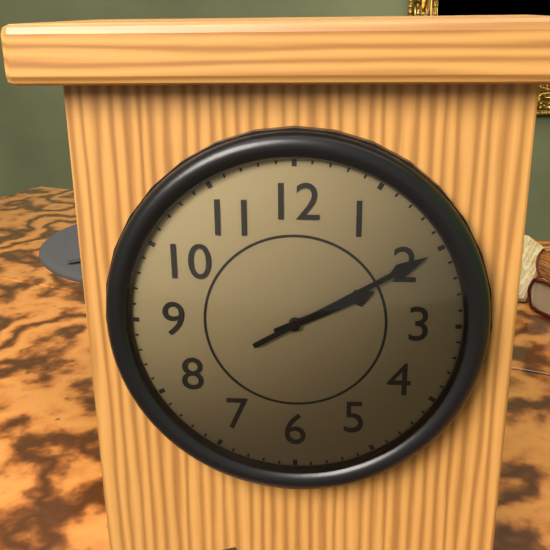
{"hour": 2, "minute": 10}
